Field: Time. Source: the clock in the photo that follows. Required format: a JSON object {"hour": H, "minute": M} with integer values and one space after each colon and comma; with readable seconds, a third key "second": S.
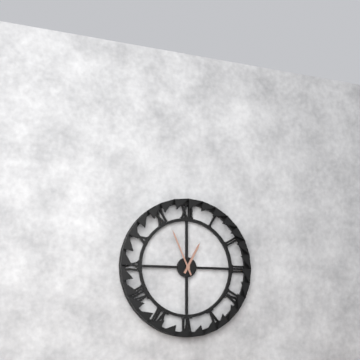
{"hour": 12, "minute": 56}
